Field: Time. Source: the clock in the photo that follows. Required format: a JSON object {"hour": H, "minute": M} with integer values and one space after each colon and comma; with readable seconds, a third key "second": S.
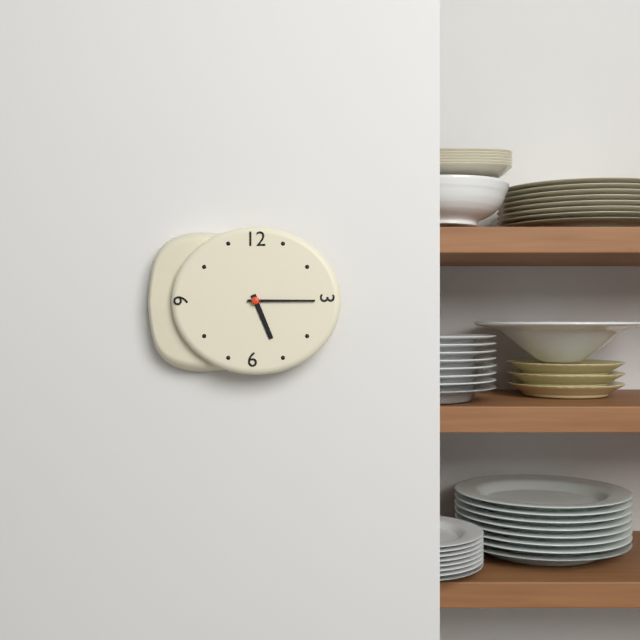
{"hour": 5, "minute": 15}
